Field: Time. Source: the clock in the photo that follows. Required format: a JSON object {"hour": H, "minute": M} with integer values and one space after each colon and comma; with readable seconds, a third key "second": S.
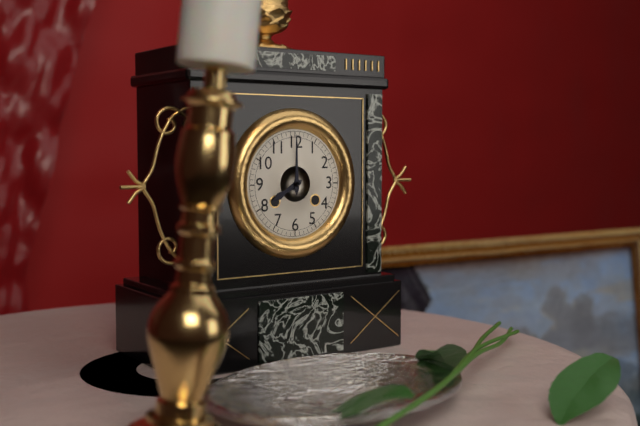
{"hour": 8, "minute": 0}
